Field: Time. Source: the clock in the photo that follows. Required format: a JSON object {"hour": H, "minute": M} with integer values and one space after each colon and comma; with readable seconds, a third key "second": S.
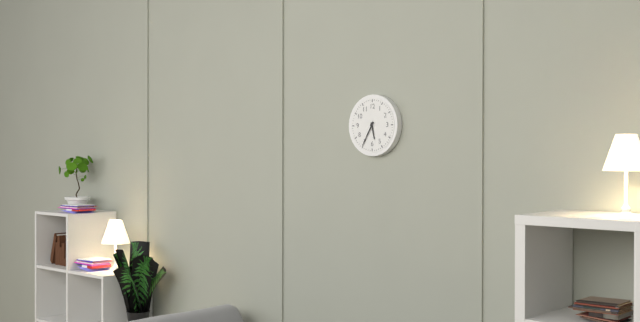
{"hour": 5, "minute": 35}
